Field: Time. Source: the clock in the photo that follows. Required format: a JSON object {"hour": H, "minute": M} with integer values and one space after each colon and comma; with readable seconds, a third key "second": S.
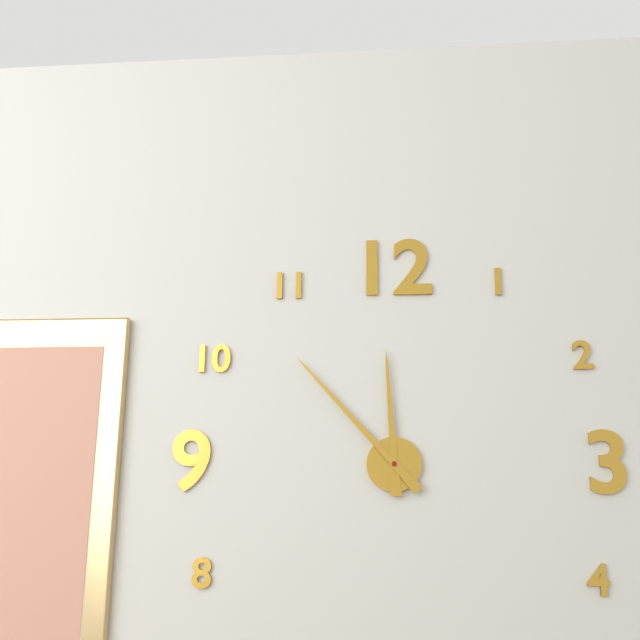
{"hour": 11, "minute": 53}
